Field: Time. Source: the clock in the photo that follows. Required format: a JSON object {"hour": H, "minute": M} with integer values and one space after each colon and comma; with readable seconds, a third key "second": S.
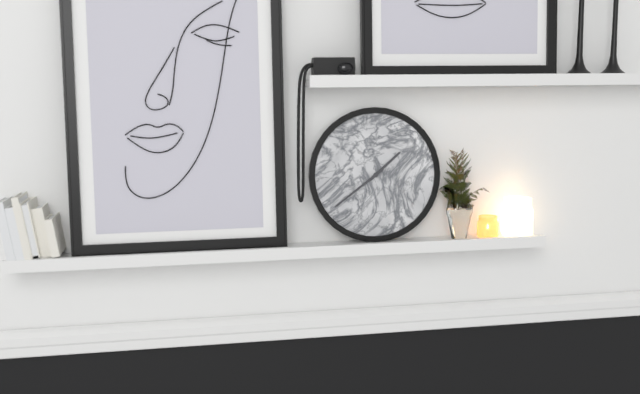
{"hour": 1, "minute": 39}
